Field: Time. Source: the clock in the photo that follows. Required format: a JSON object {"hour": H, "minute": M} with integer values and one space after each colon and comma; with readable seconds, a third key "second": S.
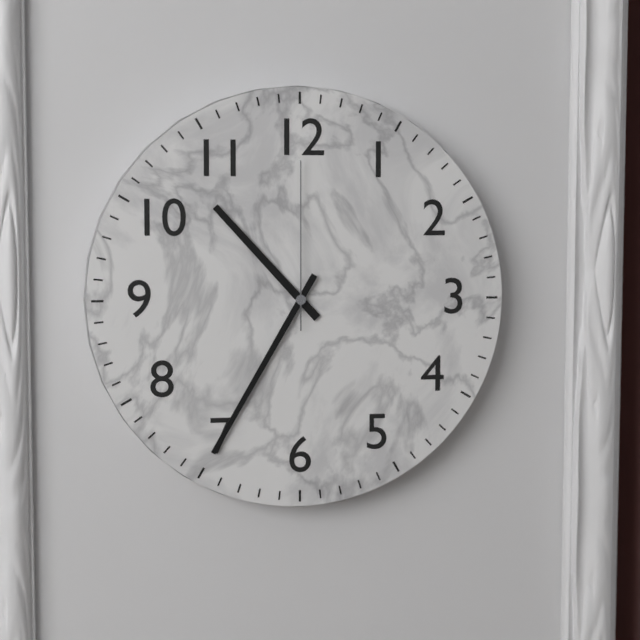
{"hour": 10, "minute": 35, "second": 0}
